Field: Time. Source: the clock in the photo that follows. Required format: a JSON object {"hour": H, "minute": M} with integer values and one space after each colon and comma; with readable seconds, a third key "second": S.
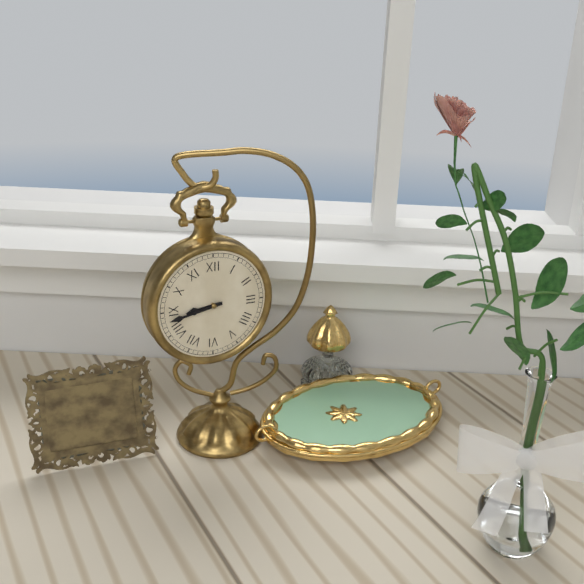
{"hour": 8, "minute": 43}
